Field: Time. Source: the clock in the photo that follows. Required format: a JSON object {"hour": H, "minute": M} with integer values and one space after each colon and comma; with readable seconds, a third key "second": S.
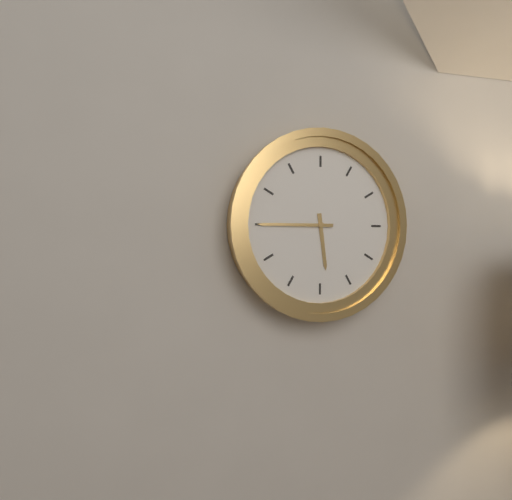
{"hour": 5, "minute": 45}
